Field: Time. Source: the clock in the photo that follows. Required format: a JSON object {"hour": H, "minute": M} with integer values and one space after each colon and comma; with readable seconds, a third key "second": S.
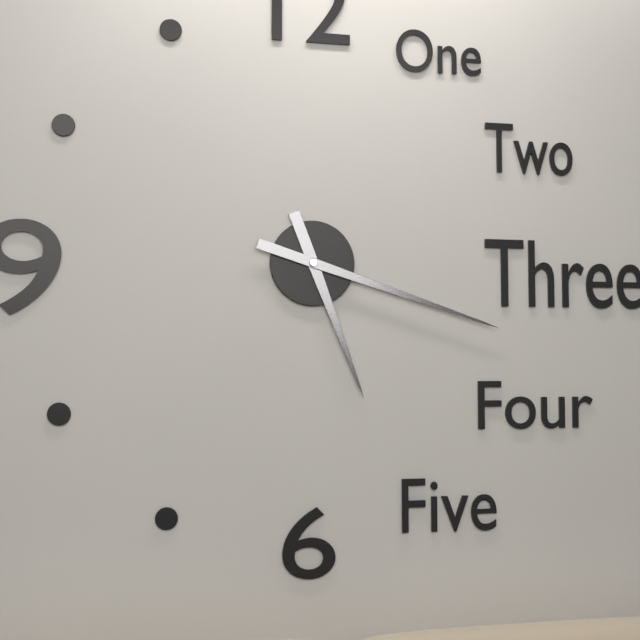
{"hour": 5, "minute": 18}
